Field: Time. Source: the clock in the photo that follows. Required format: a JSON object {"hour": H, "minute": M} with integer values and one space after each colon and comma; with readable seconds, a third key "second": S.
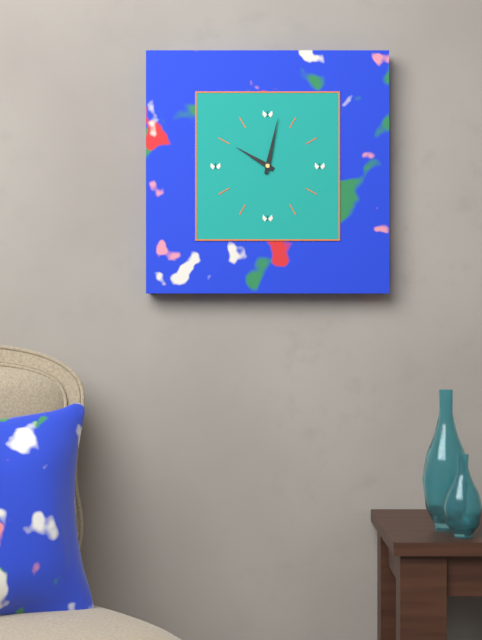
{"hour": 10, "minute": 2}
